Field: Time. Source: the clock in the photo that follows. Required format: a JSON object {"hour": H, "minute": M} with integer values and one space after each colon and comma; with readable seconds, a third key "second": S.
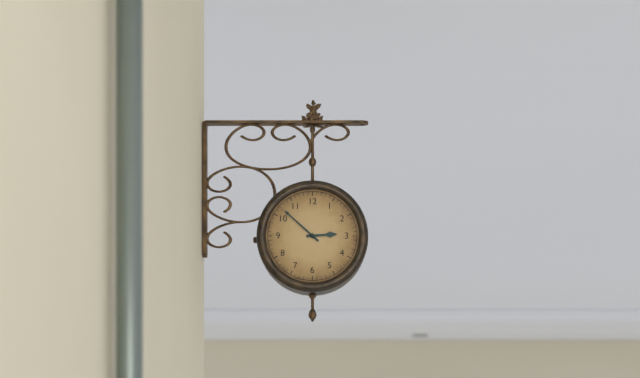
{"hour": 2, "minute": 52}
